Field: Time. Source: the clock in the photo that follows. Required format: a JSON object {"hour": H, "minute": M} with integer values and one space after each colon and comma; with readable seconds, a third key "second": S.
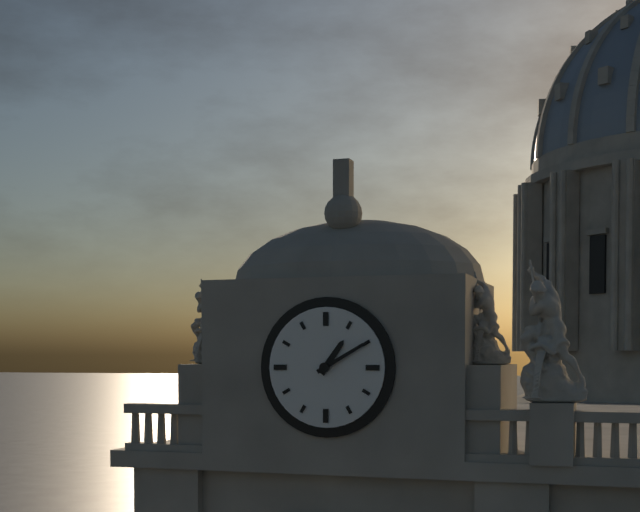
{"hour": 1, "minute": 10}
